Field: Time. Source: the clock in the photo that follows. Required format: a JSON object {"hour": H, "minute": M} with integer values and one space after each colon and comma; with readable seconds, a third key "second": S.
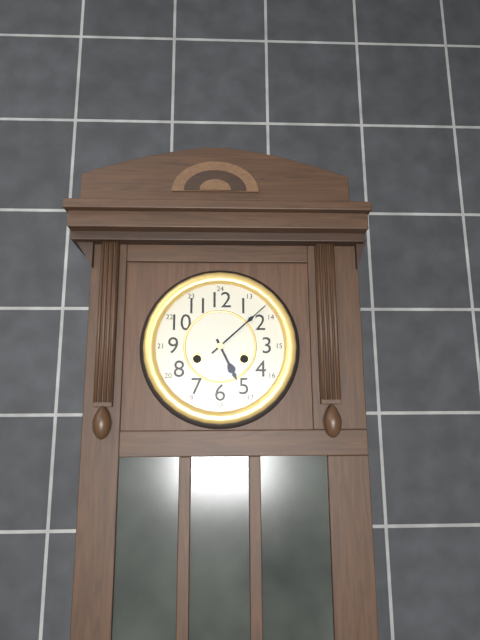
{"hour": 5, "minute": 8}
